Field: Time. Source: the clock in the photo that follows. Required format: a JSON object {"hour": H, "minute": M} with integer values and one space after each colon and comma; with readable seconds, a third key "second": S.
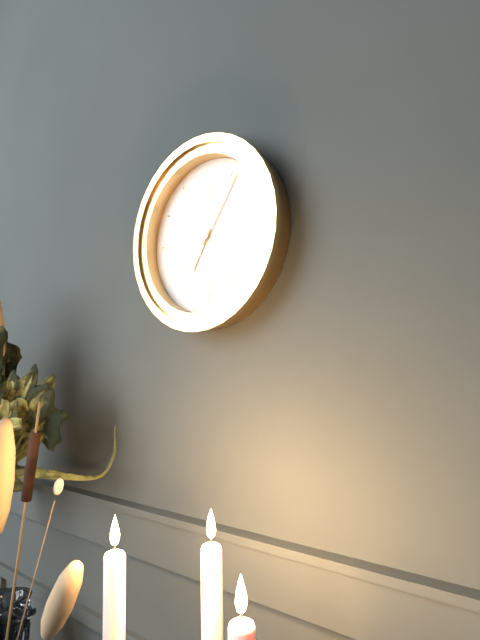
{"hour": 7, "minute": 6}
